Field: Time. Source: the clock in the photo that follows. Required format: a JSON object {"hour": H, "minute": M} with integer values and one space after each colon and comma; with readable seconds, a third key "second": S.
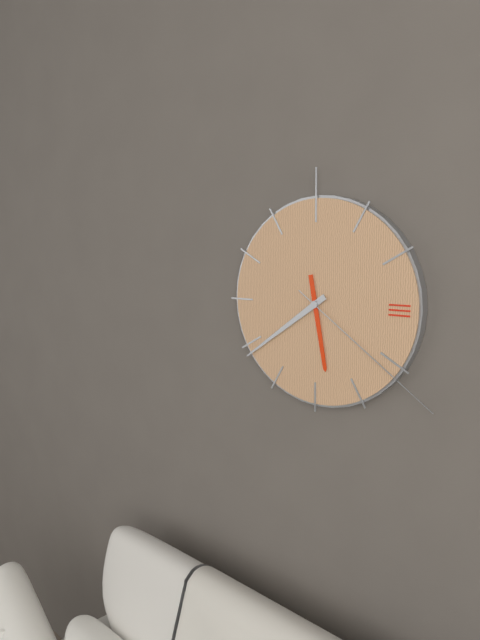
{"hour": 5, "minute": 39, "second": 21}
